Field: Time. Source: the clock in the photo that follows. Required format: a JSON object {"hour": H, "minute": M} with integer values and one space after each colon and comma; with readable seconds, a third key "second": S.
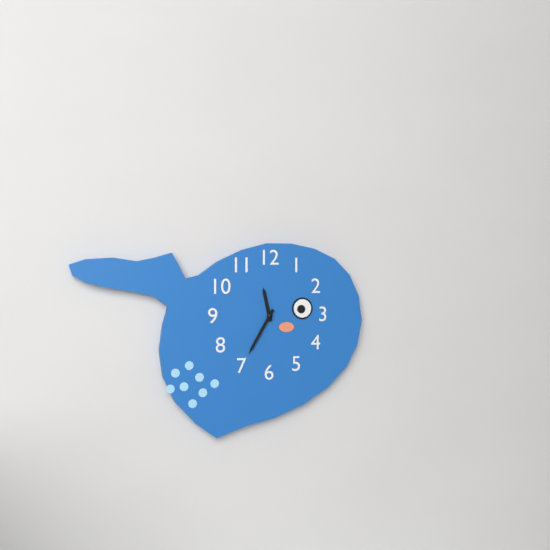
{"hour": 11, "minute": 35}
